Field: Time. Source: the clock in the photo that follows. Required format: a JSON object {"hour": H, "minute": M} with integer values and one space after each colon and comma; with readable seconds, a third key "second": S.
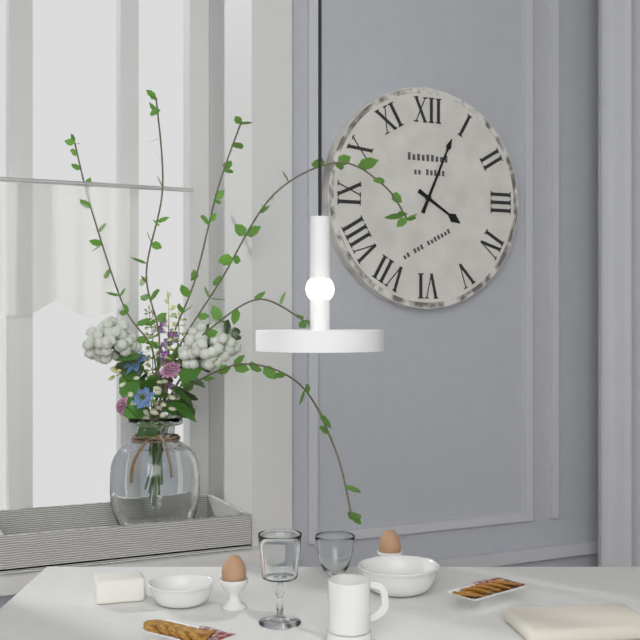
{"hour": 4, "minute": 4}
